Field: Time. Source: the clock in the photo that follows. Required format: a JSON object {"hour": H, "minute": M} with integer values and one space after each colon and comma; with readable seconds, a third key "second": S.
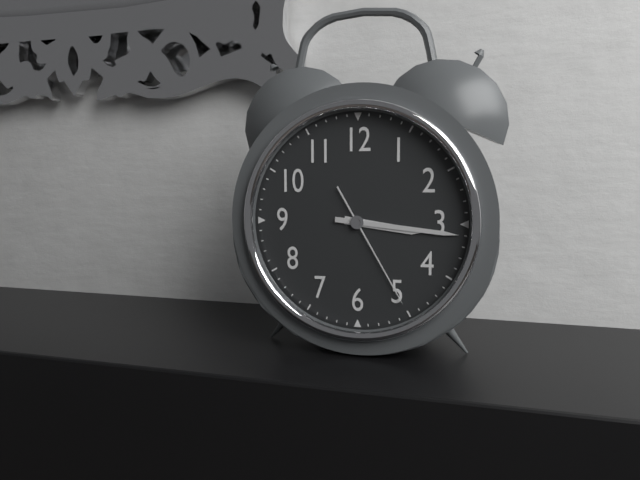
{"hour": 3, "minute": 16, "second": 25}
